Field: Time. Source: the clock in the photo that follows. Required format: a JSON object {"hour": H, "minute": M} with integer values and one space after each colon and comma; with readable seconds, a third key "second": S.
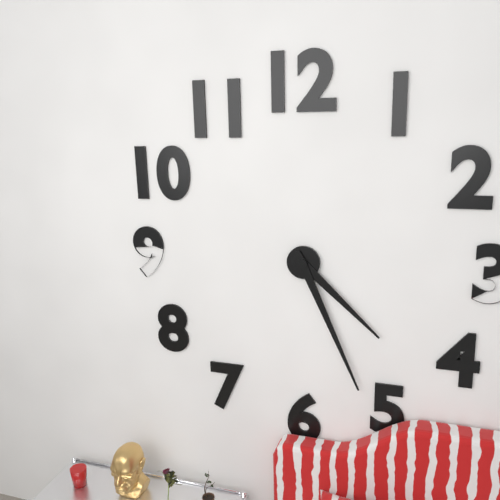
{"hour": 4, "minute": 26}
